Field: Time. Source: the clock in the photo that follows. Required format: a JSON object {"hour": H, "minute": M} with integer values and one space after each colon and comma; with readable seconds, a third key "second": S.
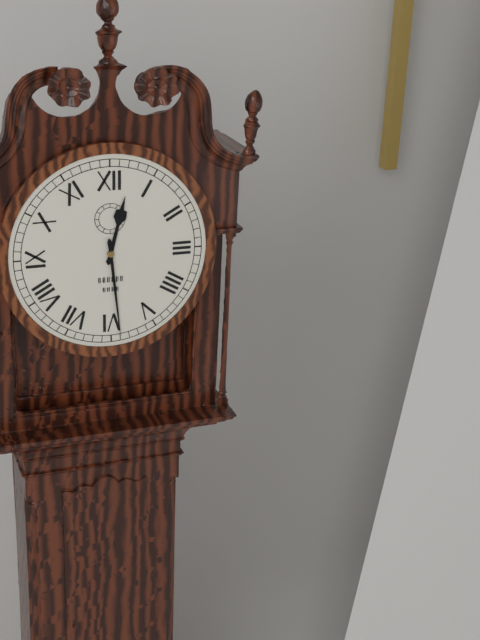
{"hour": 12, "minute": 29}
